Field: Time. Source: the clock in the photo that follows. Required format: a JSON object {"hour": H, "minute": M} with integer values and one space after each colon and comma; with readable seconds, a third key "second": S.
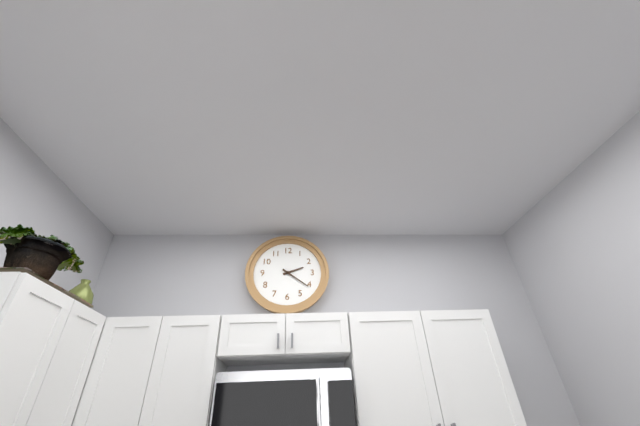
{"hour": 2, "minute": 21}
